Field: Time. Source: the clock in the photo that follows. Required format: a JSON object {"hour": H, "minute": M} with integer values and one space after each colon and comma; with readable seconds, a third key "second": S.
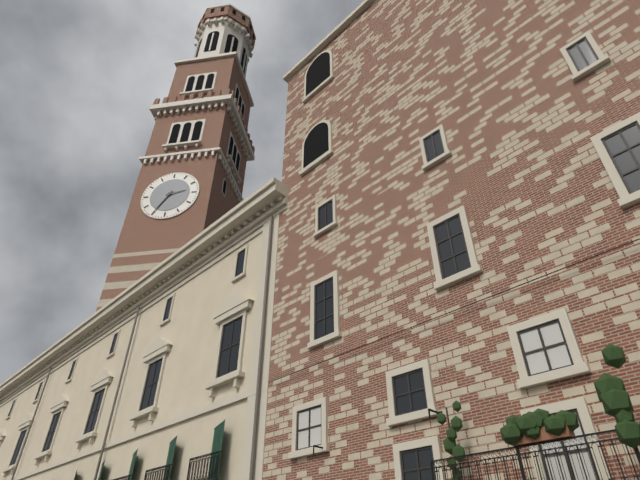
{"hour": 2, "minute": 35}
